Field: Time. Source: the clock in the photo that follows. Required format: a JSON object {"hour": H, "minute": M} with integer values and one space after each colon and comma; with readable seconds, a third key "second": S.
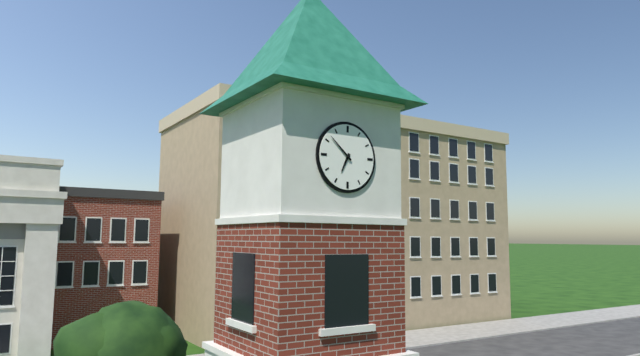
{"hour": 6, "minute": 52}
